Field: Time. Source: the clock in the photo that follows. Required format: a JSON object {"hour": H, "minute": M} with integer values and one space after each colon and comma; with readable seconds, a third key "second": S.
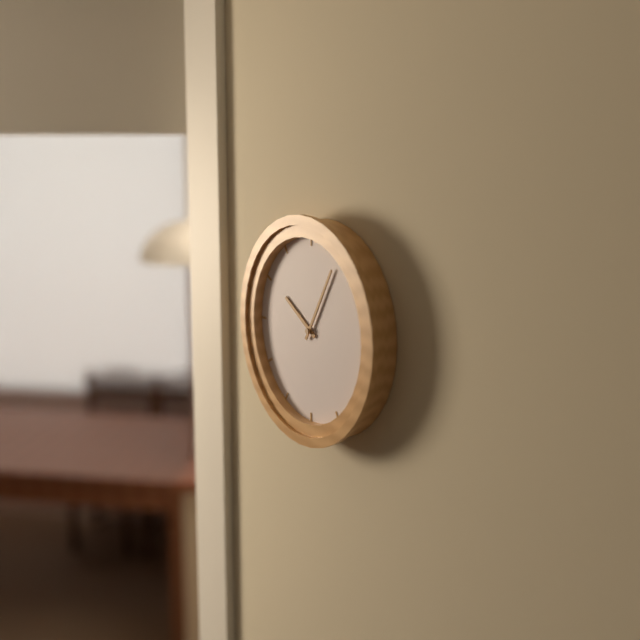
{"hour": 10, "minute": 5}
